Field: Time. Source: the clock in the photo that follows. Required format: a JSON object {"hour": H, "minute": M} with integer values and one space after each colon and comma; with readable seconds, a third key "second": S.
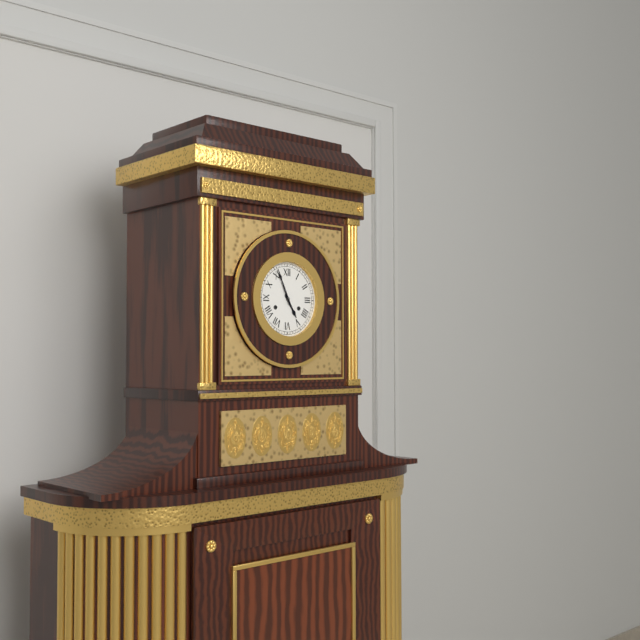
{"hour": 4, "minute": 56}
